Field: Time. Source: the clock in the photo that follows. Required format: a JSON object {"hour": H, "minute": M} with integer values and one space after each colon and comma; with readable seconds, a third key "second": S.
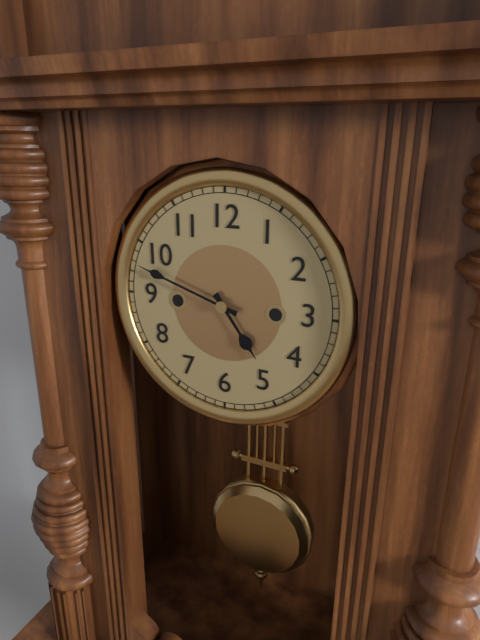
{"hour": 4, "minute": 48}
